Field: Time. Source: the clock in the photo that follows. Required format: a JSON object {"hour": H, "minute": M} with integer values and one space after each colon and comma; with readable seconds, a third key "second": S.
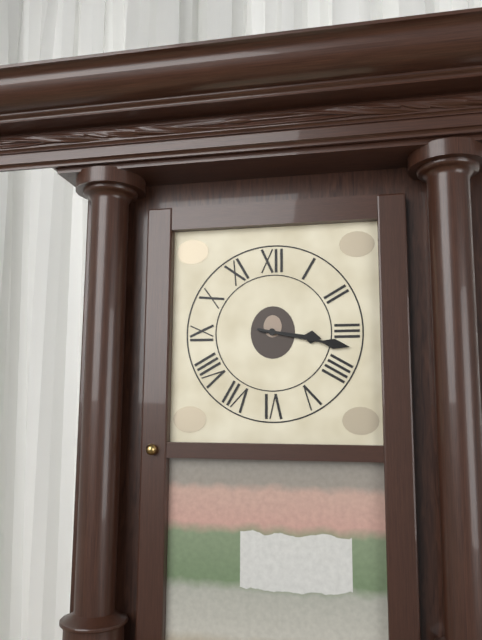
{"hour": 3, "minute": 17}
